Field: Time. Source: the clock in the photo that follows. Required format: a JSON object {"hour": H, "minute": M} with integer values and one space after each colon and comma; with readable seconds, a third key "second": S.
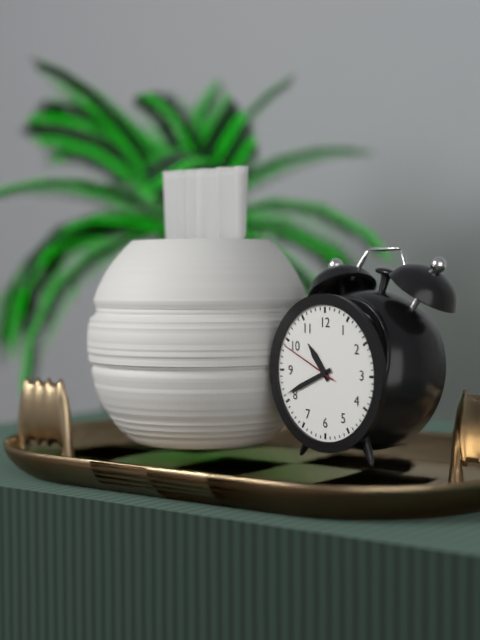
{"hour": 10, "minute": 41, "second": 49}
